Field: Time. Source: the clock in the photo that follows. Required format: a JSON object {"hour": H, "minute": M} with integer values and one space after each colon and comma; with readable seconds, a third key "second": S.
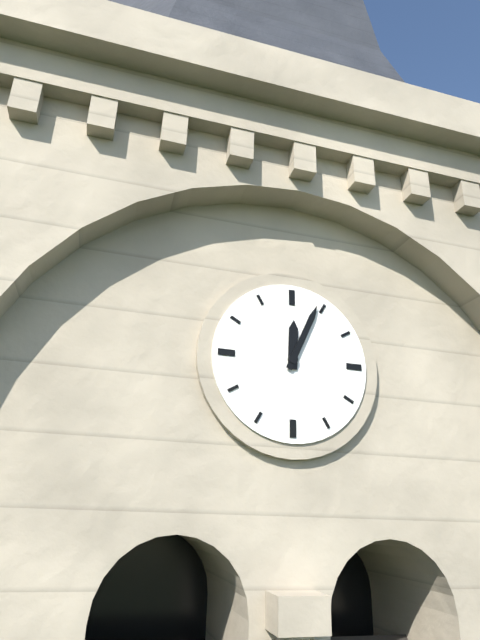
{"hour": 12, "minute": 4}
